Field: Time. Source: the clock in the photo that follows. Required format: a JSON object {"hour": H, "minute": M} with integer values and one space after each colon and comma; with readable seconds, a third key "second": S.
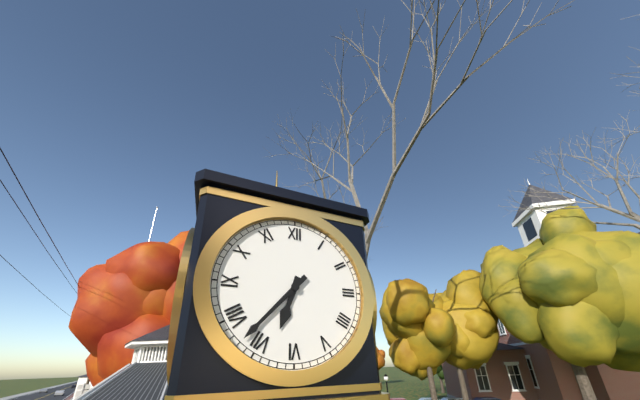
{"hour": 6, "minute": 37}
